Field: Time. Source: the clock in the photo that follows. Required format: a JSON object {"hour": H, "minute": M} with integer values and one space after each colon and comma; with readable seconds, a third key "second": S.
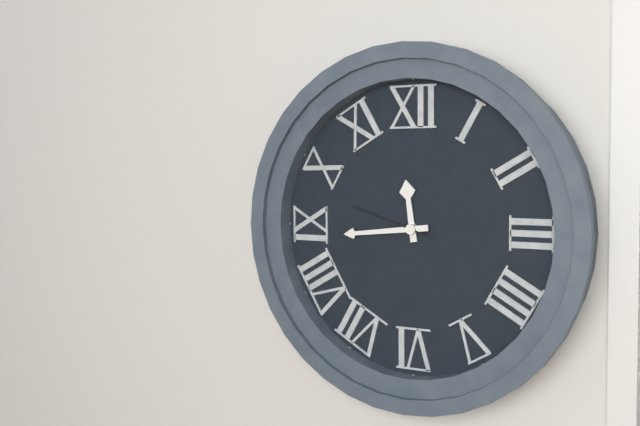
{"hour": 11, "minute": 44, "second": 48}
